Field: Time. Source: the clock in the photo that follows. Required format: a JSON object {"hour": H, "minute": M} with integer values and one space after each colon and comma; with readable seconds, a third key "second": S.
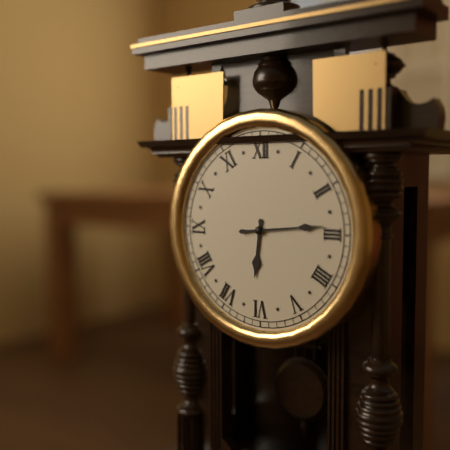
{"hour": 6, "minute": 14}
